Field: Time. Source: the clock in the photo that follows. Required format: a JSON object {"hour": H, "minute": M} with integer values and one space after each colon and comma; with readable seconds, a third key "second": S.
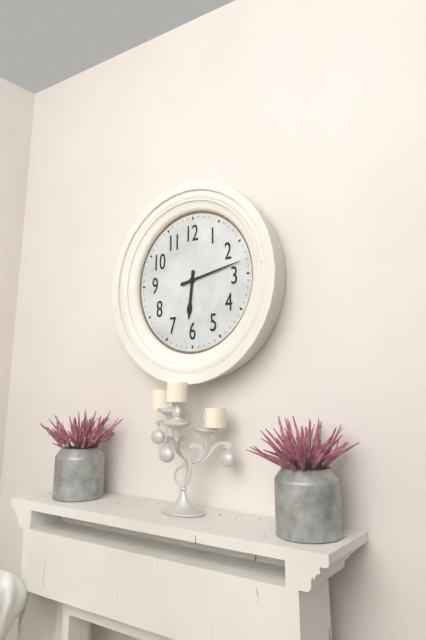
{"hour": 6, "minute": 13}
